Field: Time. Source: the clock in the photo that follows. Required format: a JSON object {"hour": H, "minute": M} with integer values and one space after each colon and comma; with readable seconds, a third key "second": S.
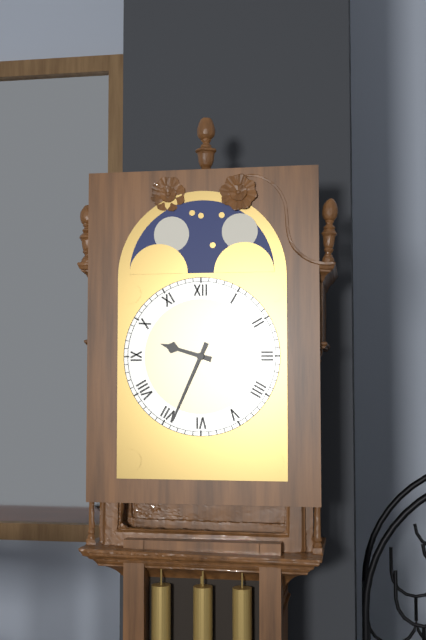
{"hour": 9, "minute": 34}
